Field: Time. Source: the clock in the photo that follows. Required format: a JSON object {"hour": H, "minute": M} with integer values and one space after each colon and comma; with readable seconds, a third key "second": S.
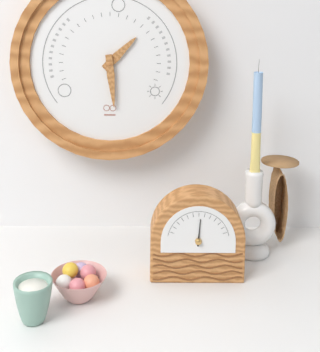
{"hour": 1, "minute": 29}
